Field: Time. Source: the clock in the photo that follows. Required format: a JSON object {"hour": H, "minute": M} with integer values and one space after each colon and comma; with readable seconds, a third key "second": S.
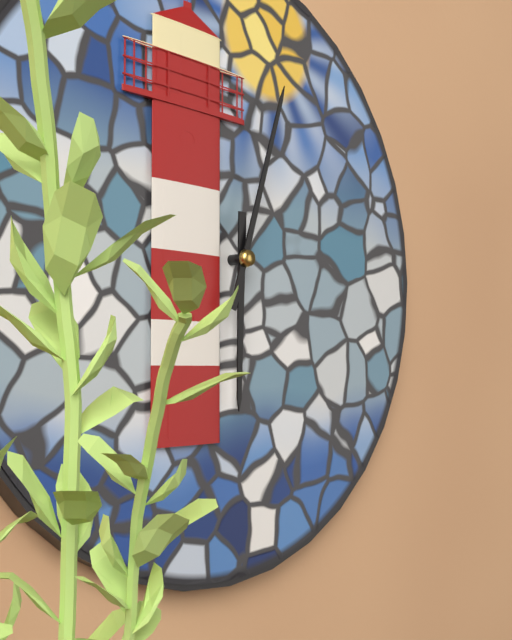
{"hour": 6, "minute": 3}
